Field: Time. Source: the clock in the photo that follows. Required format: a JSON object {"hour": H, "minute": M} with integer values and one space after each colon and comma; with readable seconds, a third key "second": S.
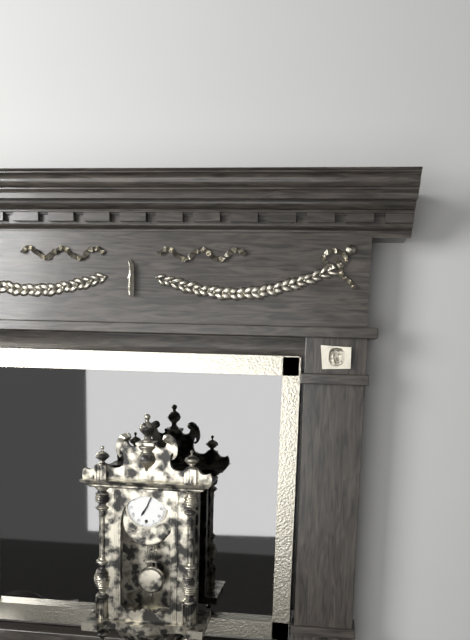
{"hour": 7, "minute": 4}
